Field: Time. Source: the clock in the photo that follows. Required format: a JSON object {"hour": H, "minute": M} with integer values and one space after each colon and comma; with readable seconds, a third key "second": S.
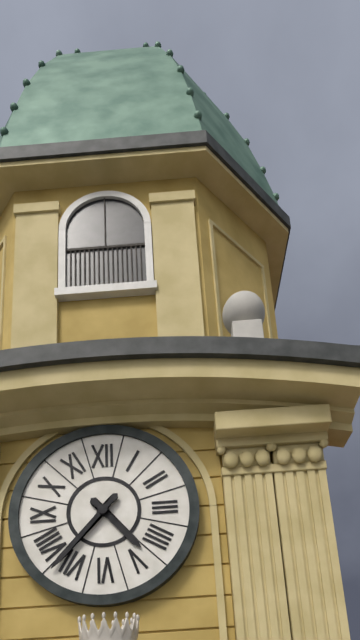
{"hour": 4, "minute": 37}
